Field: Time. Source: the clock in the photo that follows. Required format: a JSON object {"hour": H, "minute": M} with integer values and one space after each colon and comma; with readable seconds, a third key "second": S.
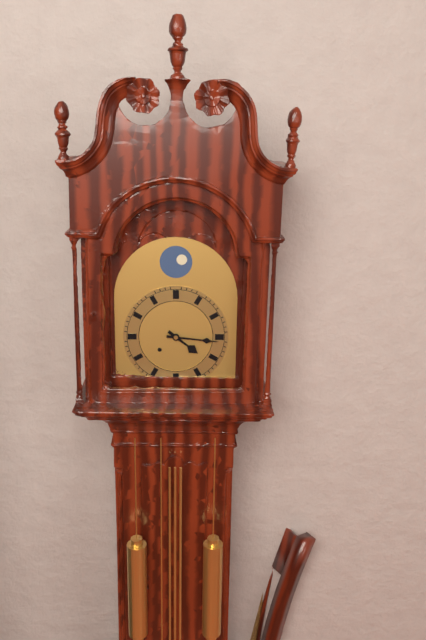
{"hour": 4, "minute": 16}
